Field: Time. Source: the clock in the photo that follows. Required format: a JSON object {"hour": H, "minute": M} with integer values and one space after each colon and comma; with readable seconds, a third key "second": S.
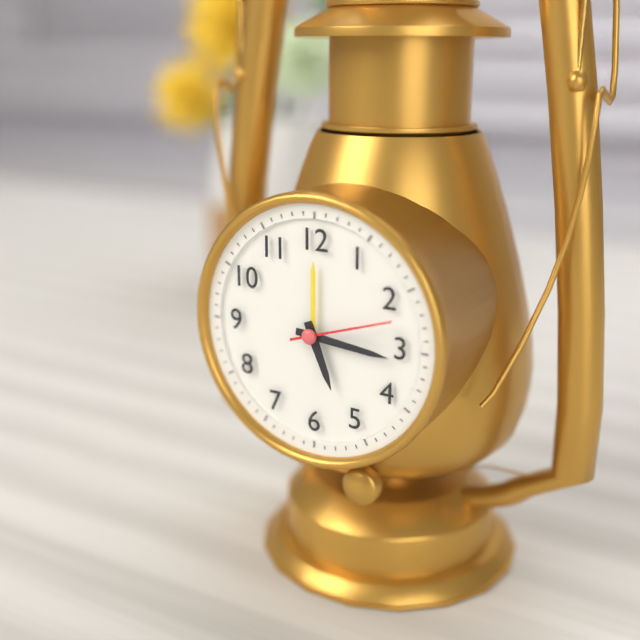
{"hour": 5, "minute": 16, "second": 12}
